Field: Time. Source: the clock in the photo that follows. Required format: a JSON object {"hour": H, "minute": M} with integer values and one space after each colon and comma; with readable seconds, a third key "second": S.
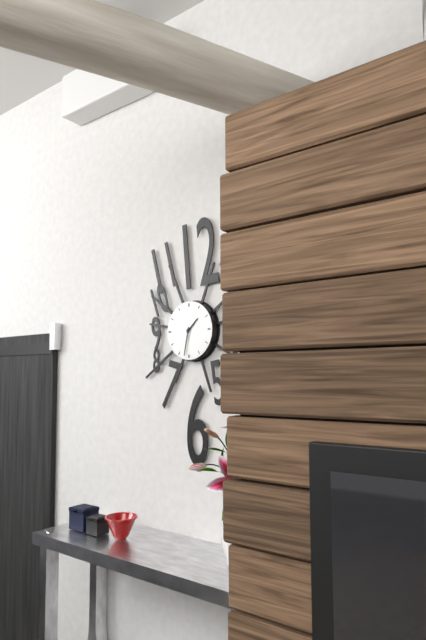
{"hour": 1, "minute": 32}
